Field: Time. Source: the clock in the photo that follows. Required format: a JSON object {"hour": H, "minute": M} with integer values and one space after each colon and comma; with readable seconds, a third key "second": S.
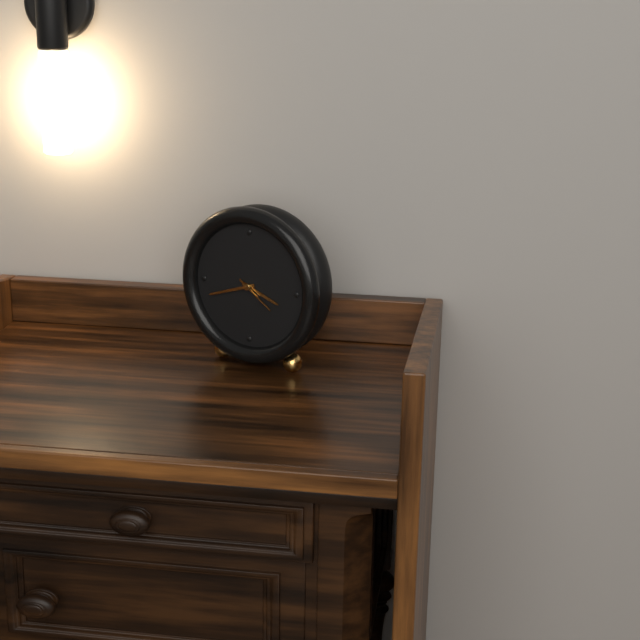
{"hour": 3, "minute": 42}
